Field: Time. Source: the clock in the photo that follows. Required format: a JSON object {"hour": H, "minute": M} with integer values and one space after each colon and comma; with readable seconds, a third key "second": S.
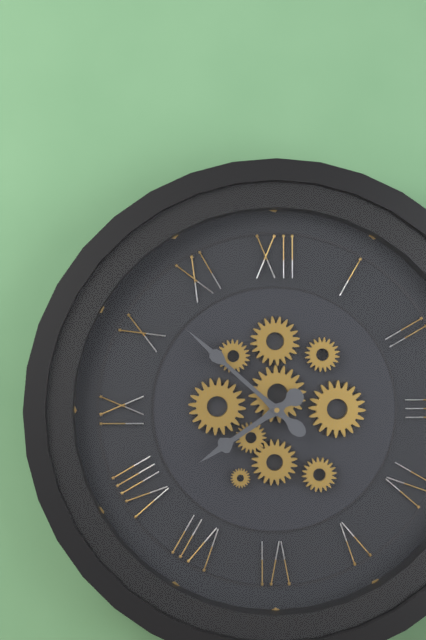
{"hour": 7, "minute": 52}
